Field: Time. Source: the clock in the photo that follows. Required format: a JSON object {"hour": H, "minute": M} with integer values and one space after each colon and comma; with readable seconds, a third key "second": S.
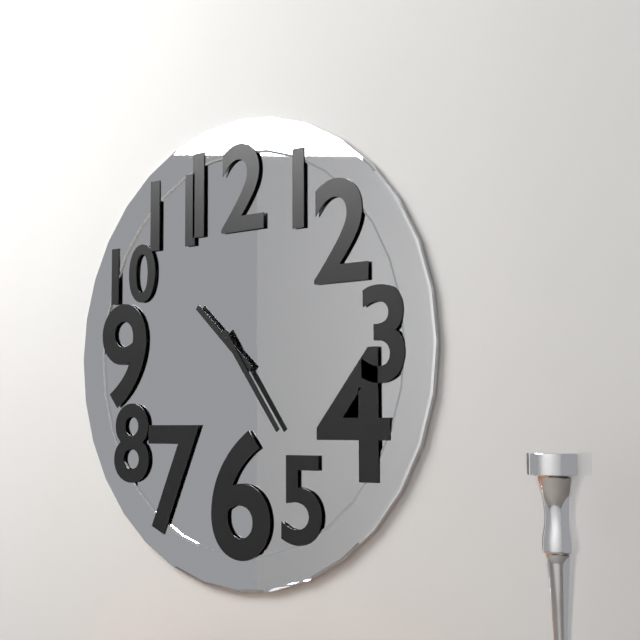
{"hour": 10, "minute": 24}
